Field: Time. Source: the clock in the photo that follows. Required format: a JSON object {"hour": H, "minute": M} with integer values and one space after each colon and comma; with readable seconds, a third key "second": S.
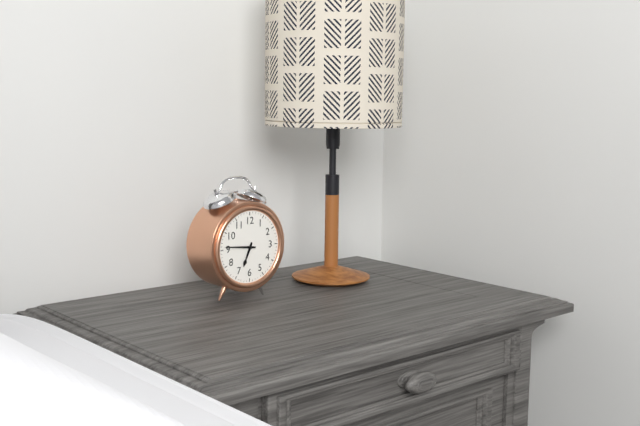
{"hour": 6, "minute": 46}
